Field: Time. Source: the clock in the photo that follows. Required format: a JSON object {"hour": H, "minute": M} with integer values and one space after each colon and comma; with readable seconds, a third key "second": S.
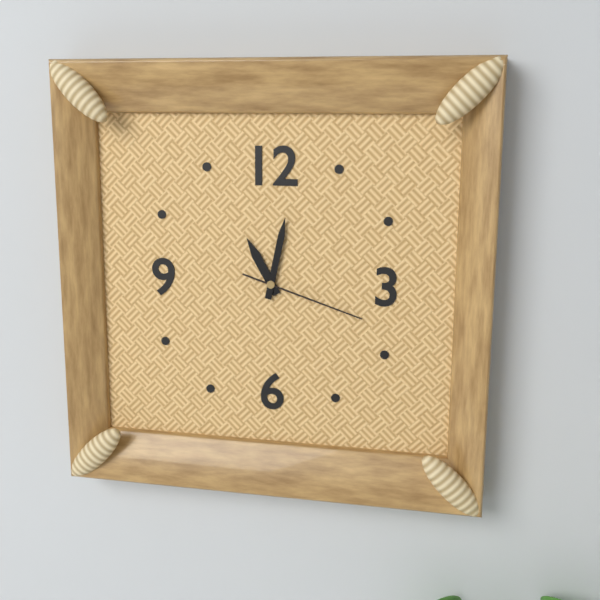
{"hour": 11, "minute": 2, "second": 18}
